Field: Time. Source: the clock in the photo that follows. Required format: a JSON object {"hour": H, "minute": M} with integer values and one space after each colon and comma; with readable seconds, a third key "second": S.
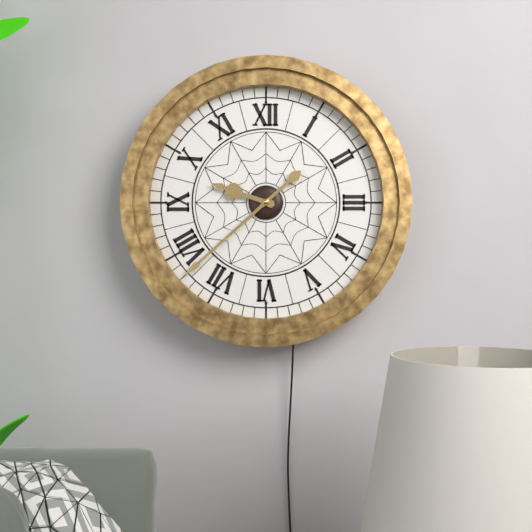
{"hour": 9, "minute": 38}
